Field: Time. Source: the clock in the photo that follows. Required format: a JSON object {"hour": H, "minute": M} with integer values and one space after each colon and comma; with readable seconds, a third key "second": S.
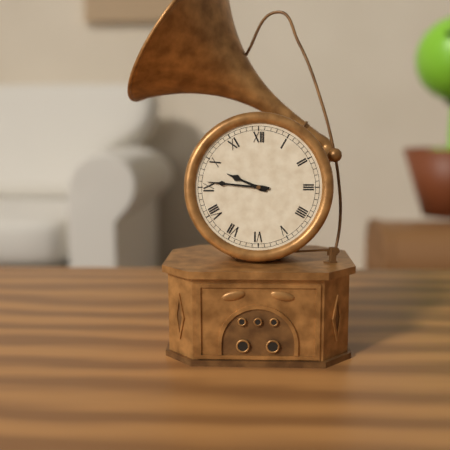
{"hour": 9, "minute": 46}
